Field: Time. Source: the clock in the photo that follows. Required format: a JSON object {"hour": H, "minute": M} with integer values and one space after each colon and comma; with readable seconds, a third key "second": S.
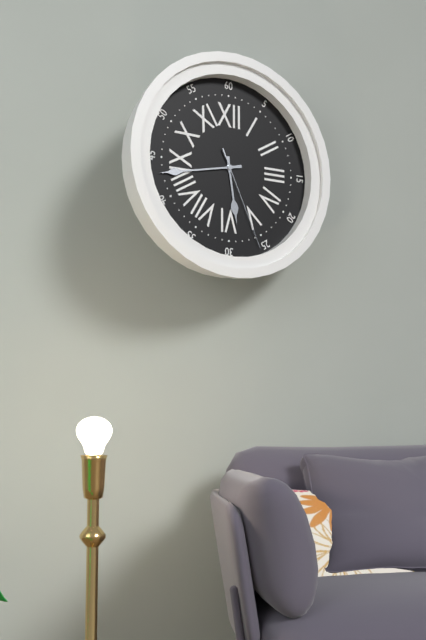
{"hour": 5, "minute": 43, "second": 26}
